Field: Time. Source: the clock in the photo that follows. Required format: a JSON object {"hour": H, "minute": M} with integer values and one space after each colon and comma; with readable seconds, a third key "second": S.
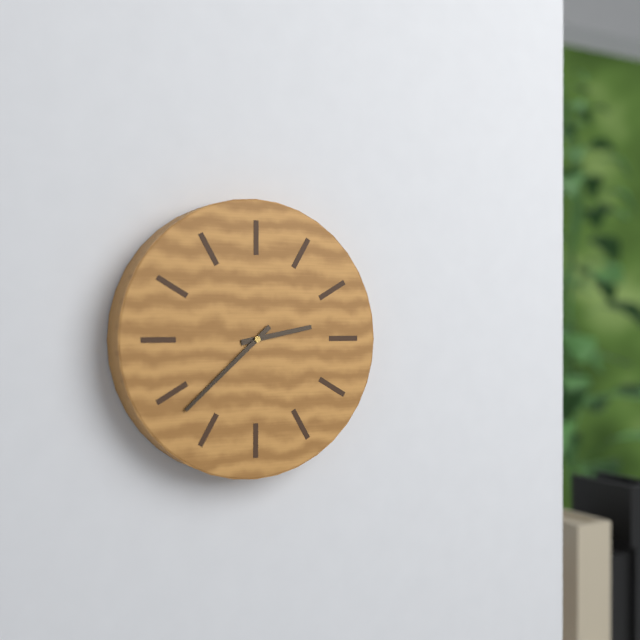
{"hour": 2, "minute": 38}
